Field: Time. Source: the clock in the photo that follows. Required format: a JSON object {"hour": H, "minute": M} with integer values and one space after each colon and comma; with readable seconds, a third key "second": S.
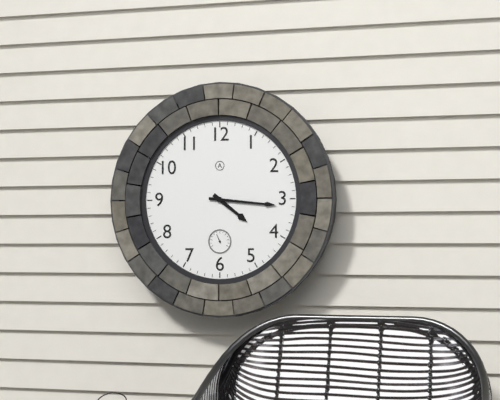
{"hour": 4, "minute": 16}
